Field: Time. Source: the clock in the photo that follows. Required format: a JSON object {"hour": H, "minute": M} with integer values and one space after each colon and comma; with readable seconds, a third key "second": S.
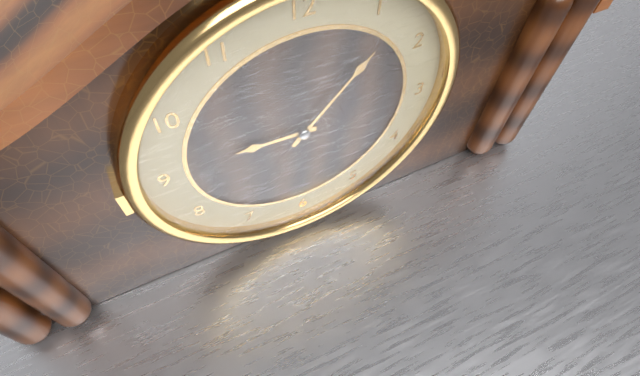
{"hour": 9, "minute": 7}
